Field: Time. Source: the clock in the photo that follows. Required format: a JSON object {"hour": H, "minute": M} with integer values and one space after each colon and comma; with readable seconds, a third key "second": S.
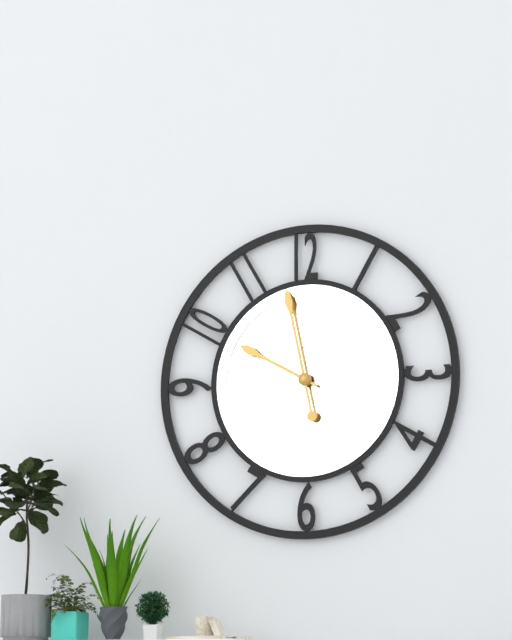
{"hour": 9, "minute": 58}
